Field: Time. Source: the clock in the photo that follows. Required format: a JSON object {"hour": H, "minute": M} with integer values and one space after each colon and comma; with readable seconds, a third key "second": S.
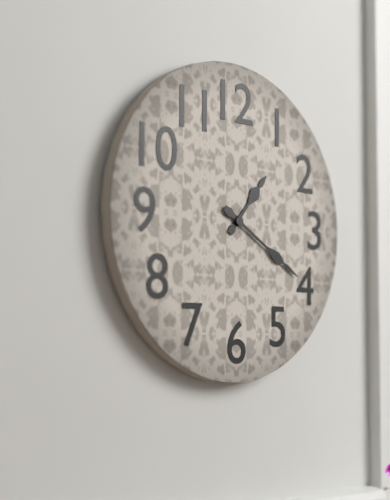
{"hour": 1, "minute": 20}
